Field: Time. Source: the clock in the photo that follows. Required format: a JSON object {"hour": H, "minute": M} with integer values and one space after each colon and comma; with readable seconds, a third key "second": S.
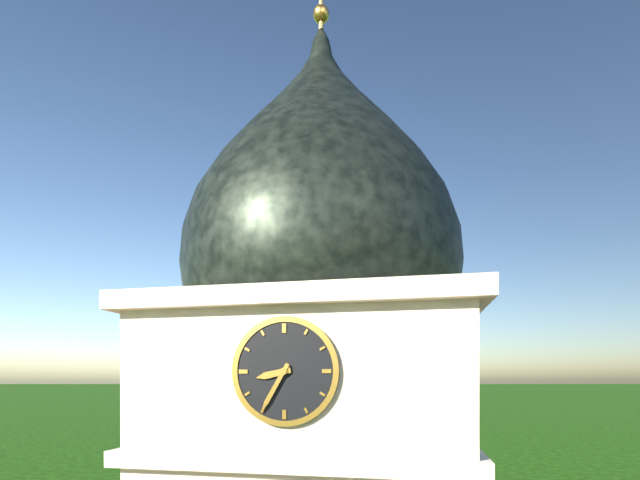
{"hour": 8, "minute": 35}
